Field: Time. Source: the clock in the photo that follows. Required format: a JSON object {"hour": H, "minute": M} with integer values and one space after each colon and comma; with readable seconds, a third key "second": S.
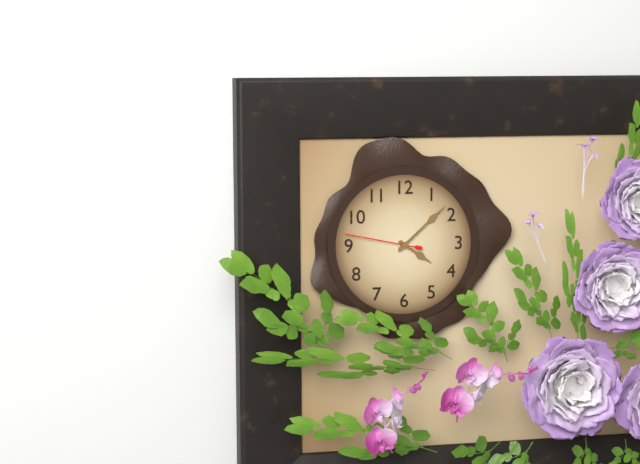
{"hour": 4, "minute": 8, "second": 47}
